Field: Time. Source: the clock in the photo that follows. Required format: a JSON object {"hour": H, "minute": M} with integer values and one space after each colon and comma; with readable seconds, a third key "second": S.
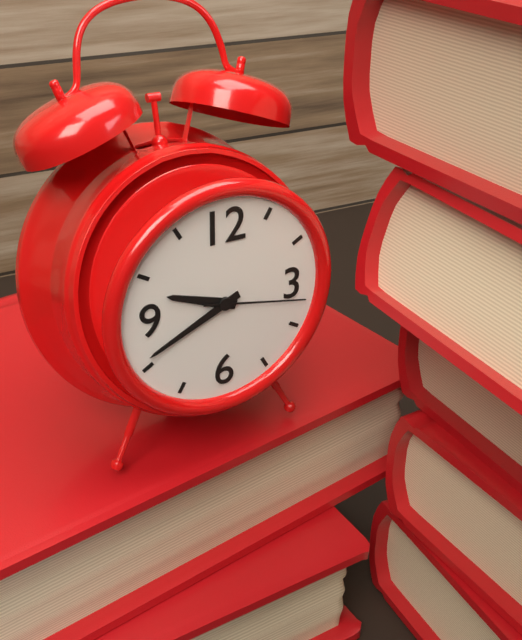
{"hour": 9, "minute": 41, "second": 17}
